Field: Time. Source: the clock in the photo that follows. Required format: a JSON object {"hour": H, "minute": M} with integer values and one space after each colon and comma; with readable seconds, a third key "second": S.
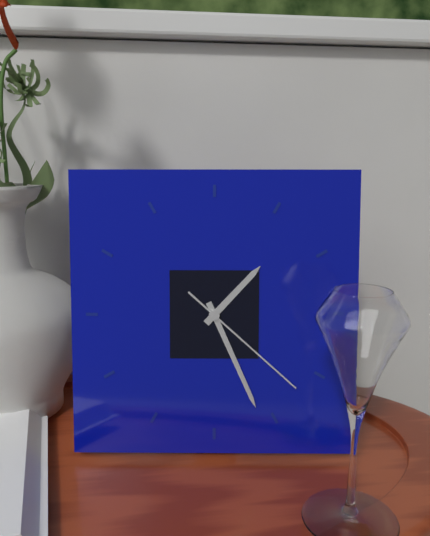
{"hour": 1, "minute": 26, "second": 22}
